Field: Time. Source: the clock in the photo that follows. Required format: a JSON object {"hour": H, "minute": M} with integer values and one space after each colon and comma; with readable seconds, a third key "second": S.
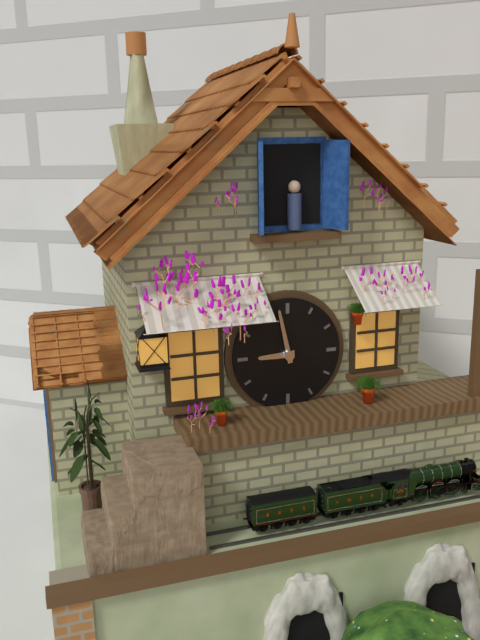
{"hour": 8, "minute": 58}
